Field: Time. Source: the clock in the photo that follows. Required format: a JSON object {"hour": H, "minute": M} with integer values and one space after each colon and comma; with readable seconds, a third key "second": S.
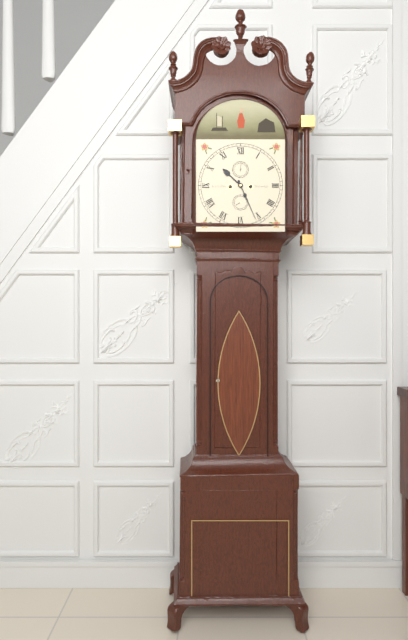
{"hour": 10, "minute": 26}
